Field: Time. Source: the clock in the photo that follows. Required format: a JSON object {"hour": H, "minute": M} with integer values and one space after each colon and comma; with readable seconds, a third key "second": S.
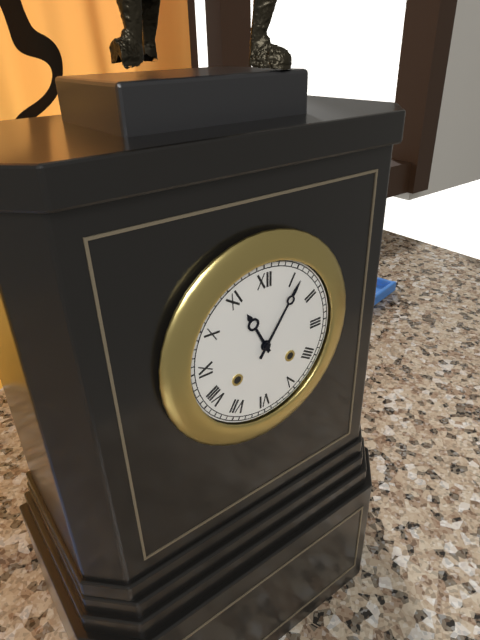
{"hour": 11, "minute": 6}
